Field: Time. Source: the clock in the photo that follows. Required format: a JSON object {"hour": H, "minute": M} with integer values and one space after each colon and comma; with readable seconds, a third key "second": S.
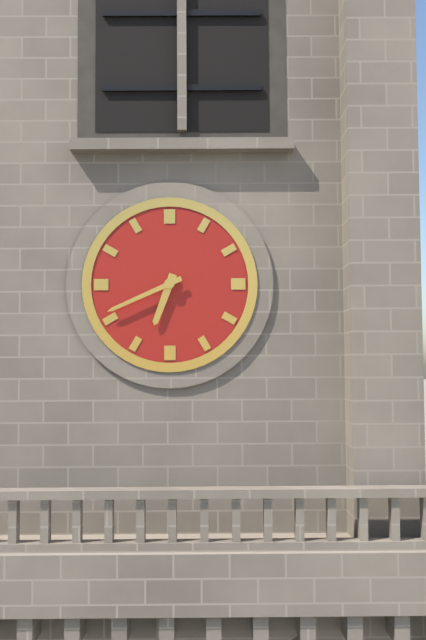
{"hour": 6, "minute": 41}
